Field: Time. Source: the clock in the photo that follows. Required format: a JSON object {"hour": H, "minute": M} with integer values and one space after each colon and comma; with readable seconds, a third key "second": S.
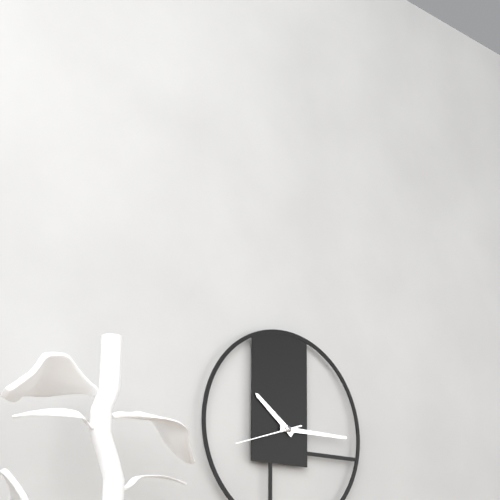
{"hour": 10, "minute": 15, "second": 42}
